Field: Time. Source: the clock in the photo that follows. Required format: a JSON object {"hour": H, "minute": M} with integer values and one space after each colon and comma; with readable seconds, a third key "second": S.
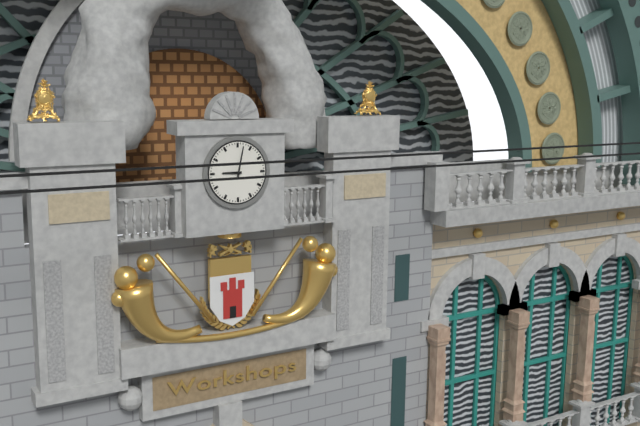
{"hour": 9, "minute": 2}
